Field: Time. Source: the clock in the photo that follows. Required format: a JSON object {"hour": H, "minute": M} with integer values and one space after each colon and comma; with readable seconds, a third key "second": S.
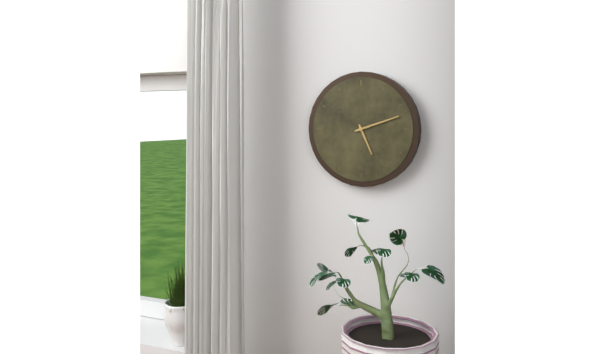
{"hour": 5, "minute": 12}
